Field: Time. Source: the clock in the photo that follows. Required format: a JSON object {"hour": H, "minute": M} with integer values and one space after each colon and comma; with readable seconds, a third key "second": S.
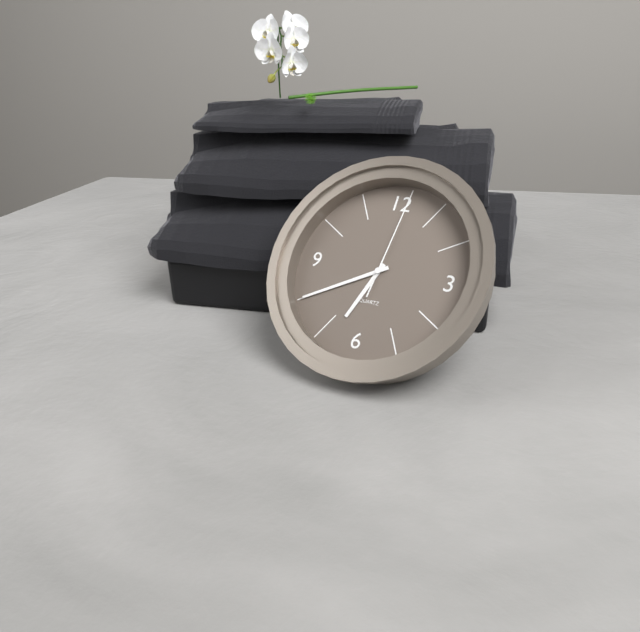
{"hour": 6, "minute": 40, "second": 1}
